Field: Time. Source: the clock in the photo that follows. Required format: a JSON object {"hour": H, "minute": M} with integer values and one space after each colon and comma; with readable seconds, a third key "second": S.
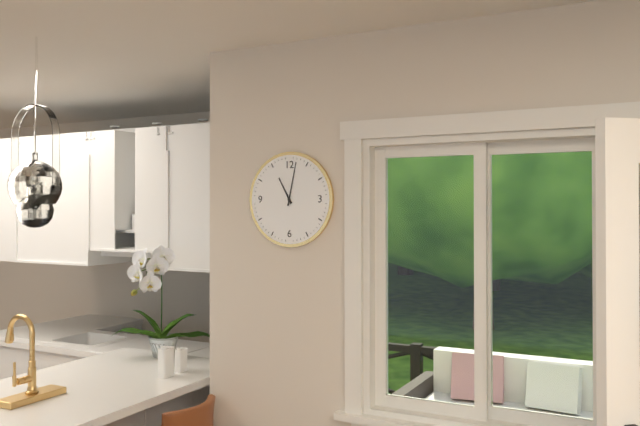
{"hour": 11, "minute": 2}
